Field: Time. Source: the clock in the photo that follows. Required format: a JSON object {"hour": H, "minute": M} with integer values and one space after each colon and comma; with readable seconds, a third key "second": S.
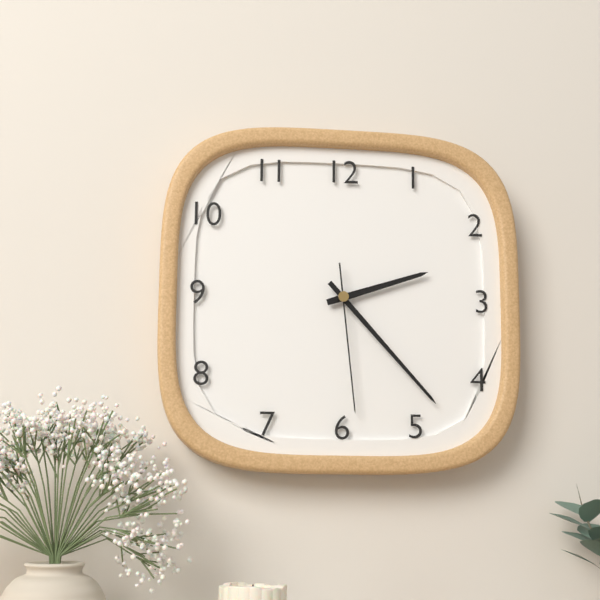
{"hour": 2, "minute": 23, "second": 29}
